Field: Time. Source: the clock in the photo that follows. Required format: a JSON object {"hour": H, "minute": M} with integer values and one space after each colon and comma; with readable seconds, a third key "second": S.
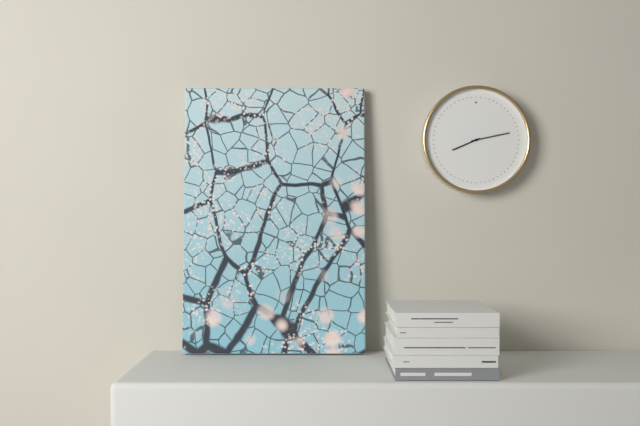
{"hour": 8, "minute": 13}
